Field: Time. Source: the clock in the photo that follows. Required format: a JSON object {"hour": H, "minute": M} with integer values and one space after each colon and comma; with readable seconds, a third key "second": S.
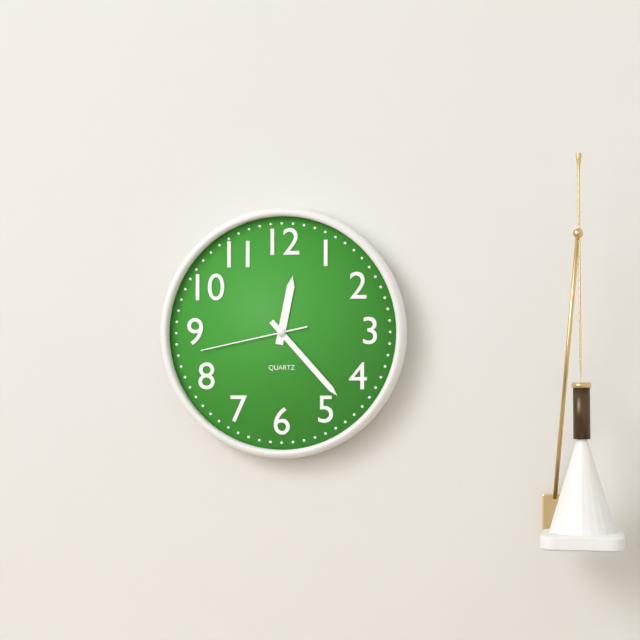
{"hour": 12, "minute": 23, "second": 43}
